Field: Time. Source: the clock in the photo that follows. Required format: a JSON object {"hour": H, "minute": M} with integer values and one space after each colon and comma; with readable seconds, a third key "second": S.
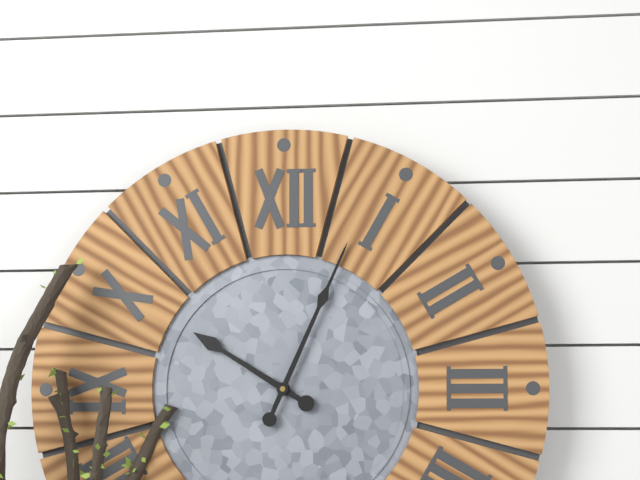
{"hour": 10, "minute": 4}
